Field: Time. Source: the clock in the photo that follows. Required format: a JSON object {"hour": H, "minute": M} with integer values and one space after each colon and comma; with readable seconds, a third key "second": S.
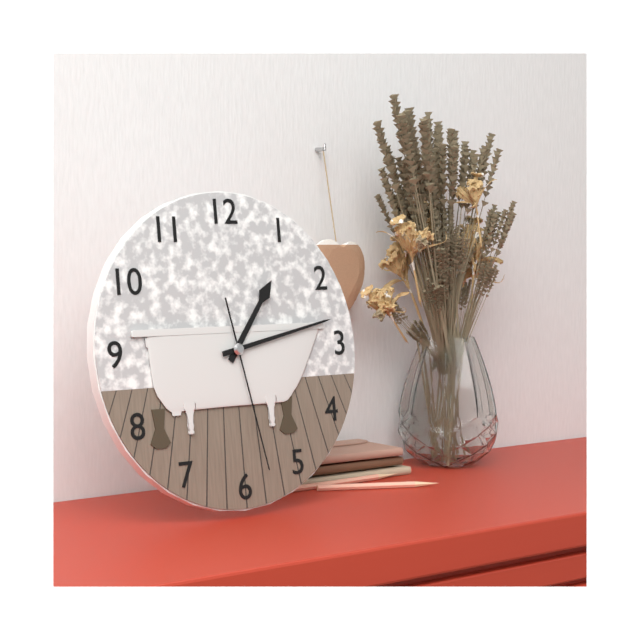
{"hour": 1, "minute": 13, "second": 28}
